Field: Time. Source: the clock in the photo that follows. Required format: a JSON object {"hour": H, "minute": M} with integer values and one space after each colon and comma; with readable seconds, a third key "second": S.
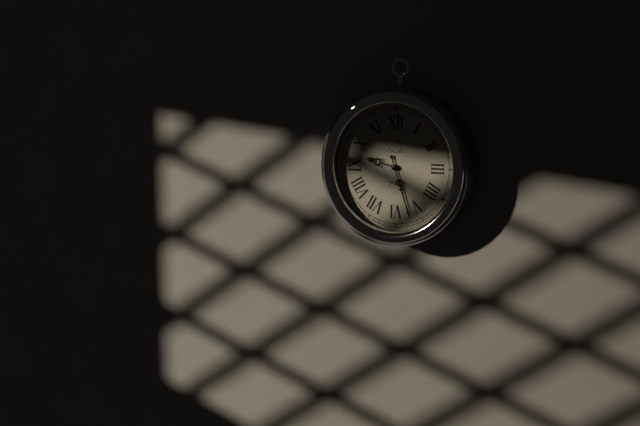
{"hour": 9, "minute": 27}
